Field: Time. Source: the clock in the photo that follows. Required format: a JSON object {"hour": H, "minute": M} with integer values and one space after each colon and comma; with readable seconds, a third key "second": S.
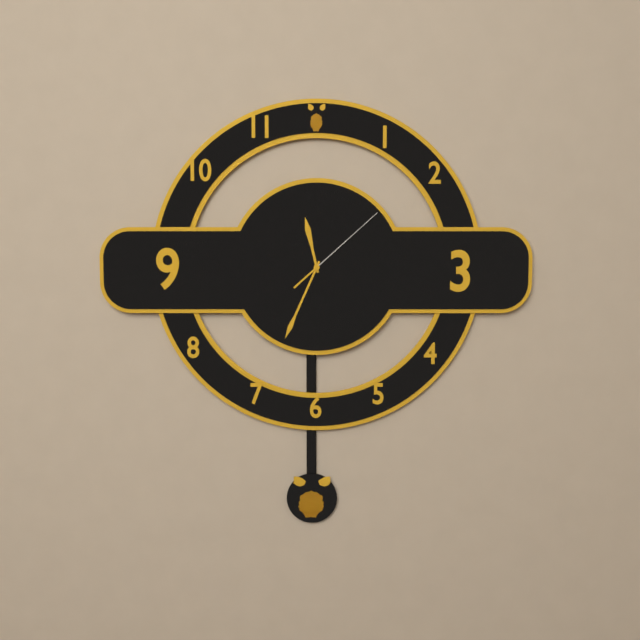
{"hour": 11, "minute": 34, "second": 8}
